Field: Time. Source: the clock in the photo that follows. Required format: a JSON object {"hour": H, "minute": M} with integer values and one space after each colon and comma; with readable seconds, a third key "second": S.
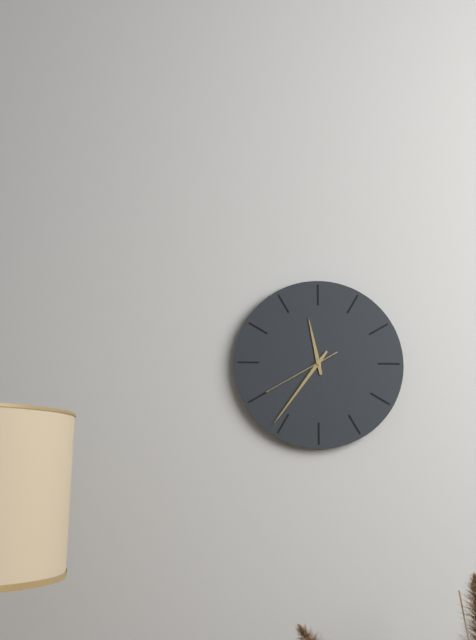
{"hour": 11, "minute": 36, "second": 40}
